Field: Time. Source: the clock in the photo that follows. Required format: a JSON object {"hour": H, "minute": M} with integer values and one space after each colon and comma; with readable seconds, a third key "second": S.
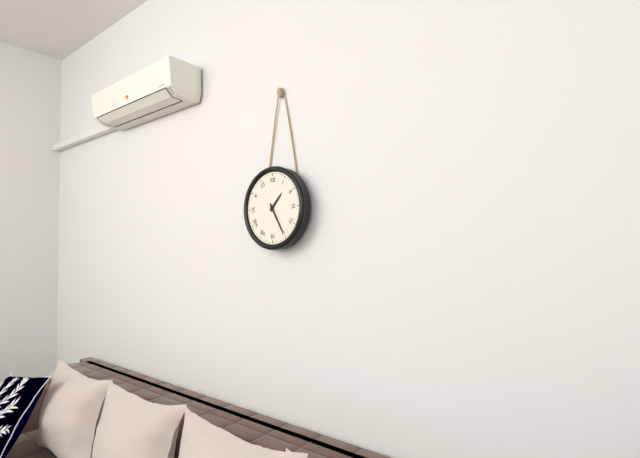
{"hour": 1, "minute": 25}
